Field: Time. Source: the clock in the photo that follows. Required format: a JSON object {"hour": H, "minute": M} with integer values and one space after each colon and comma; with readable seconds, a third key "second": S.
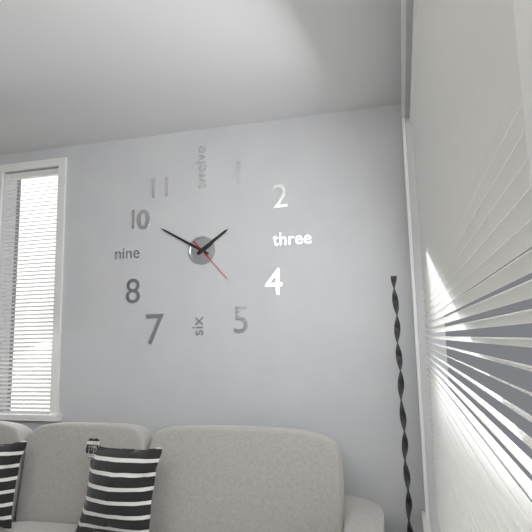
{"hour": 1, "minute": 50, "second": 23}
